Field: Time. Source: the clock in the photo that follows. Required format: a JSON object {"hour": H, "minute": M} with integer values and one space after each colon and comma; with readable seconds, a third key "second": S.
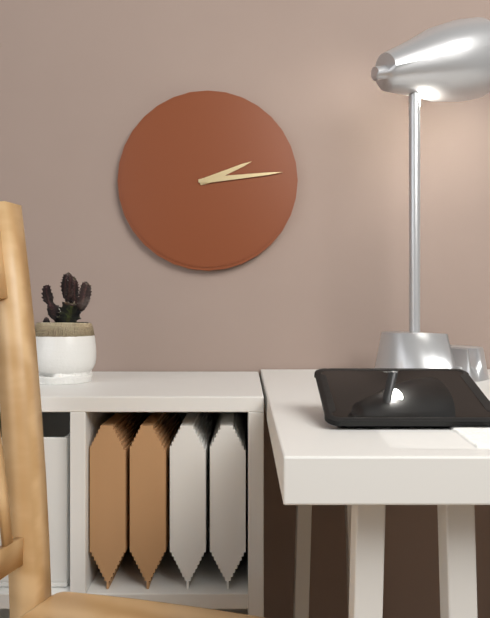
{"hour": 2, "minute": 14}
